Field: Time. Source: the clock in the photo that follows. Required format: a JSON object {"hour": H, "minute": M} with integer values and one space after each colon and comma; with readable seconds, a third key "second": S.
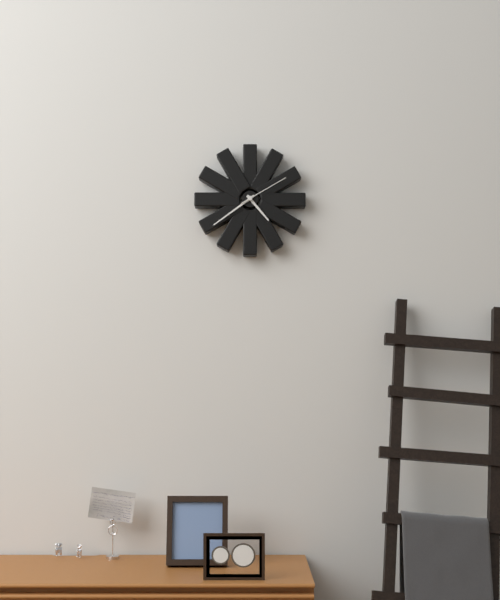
{"hour": 4, "minute": 39, "second": 10}
